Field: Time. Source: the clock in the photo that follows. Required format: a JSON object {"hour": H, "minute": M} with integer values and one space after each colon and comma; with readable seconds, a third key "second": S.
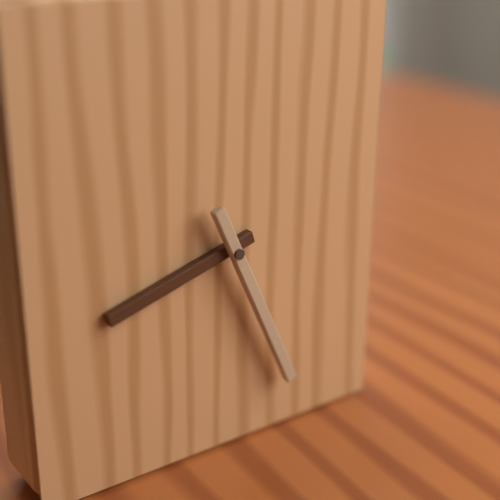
{"hour": 8, "minute": 26}
